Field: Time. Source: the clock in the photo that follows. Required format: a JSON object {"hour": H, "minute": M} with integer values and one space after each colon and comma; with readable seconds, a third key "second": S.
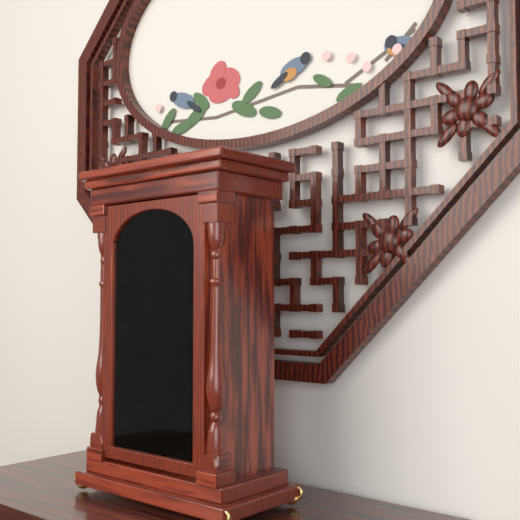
{"hour": 1, "minute": 27}
